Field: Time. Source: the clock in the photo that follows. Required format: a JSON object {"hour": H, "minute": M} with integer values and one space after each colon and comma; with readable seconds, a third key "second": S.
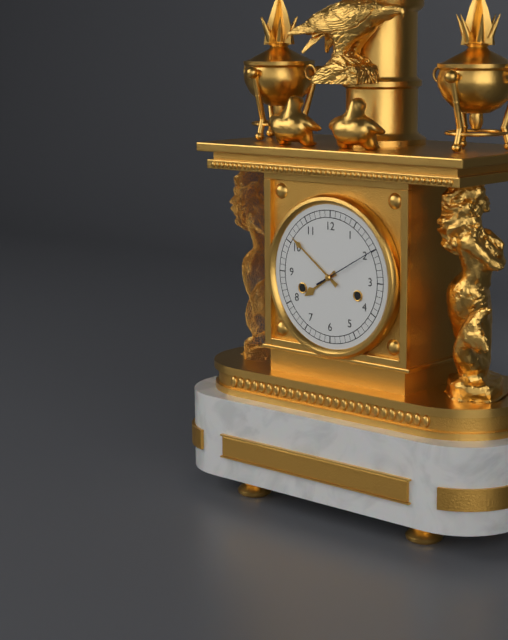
{"hour": 7, "minute": 51, "second": 10}
